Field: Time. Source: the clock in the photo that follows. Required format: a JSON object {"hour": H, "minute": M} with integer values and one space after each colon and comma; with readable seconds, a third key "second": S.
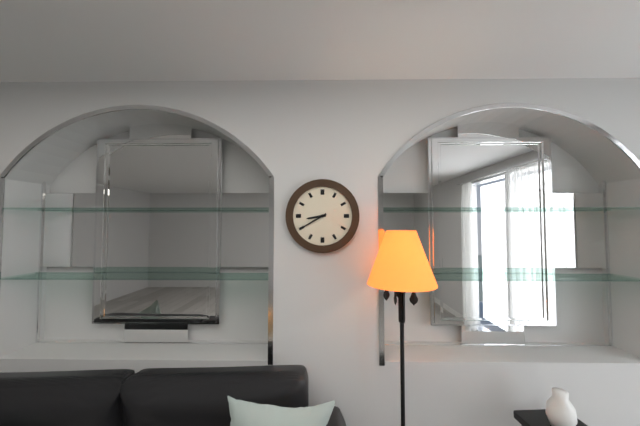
{"hour": 8, "minute": 40}
